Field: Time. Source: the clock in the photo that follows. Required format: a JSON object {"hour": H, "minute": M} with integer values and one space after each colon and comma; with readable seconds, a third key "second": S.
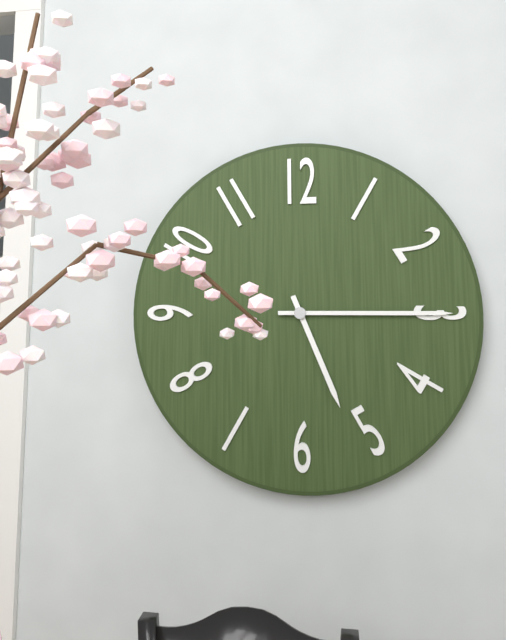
{"hour": 5, "minute": 15}
